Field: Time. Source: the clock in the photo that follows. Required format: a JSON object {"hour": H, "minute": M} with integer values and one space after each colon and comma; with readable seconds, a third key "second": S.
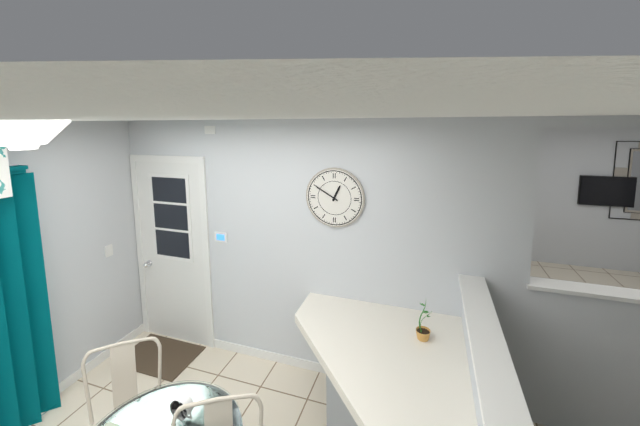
{"hour": 12, "minute": 50}
